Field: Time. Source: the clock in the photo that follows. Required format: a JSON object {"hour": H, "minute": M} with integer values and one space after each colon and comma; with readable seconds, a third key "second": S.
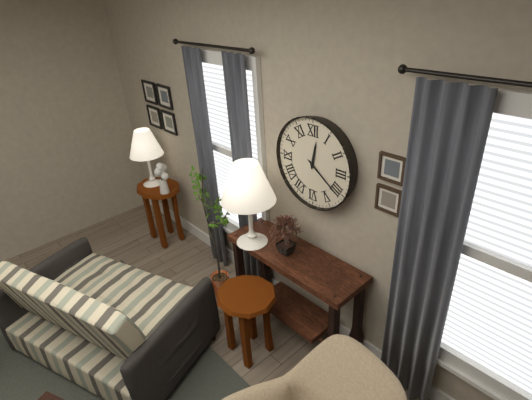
{"hour": 12, "minute": 21}
